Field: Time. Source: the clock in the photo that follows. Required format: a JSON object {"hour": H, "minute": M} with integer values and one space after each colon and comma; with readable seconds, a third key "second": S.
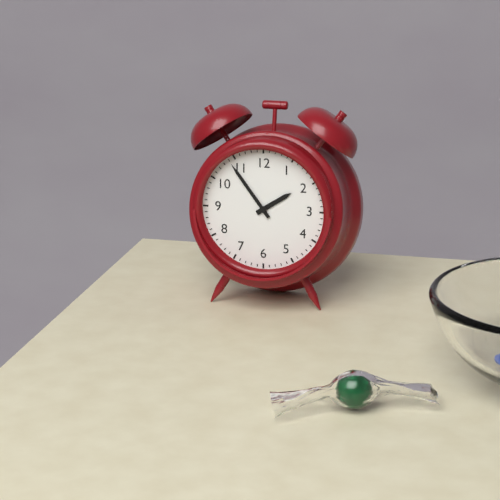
{"hour": 1, "minute": 54}
